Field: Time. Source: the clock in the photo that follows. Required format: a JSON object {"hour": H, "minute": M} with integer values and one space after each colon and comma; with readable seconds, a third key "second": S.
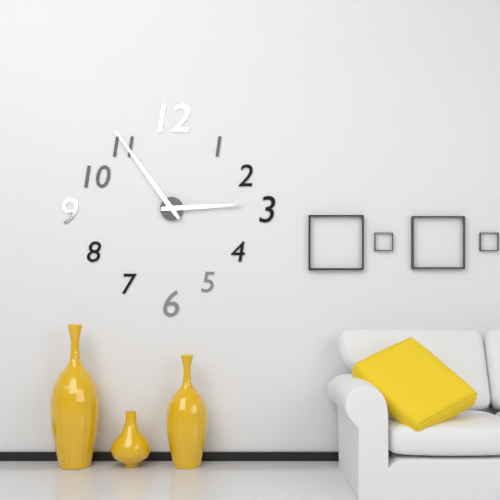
{"hour": 2, "minute": 54}
